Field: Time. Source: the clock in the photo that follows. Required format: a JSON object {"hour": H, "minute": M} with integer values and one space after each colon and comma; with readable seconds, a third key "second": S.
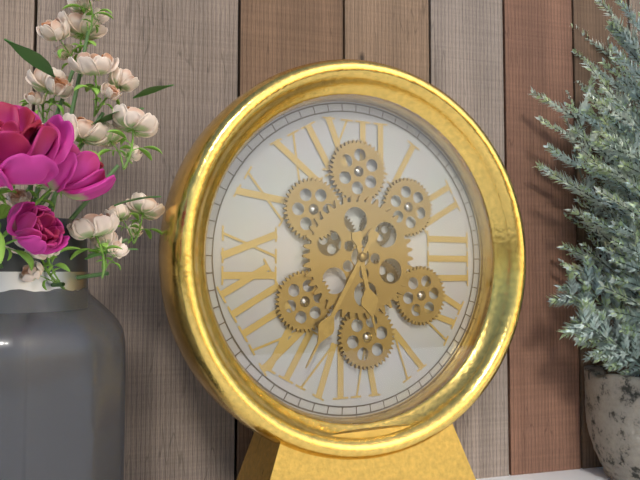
{"hour": 5, "minute": 35}
